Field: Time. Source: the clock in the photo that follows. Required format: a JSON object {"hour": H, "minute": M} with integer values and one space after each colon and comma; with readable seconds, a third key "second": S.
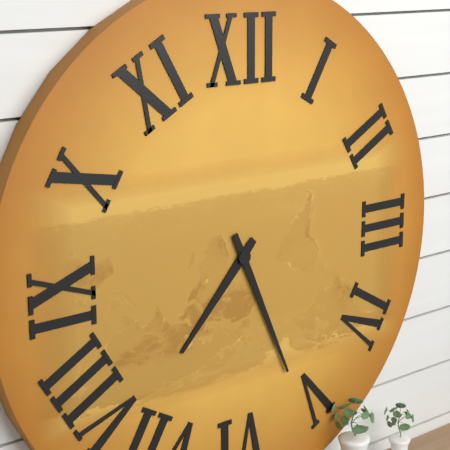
{"hour": 7, "minute": 26}
